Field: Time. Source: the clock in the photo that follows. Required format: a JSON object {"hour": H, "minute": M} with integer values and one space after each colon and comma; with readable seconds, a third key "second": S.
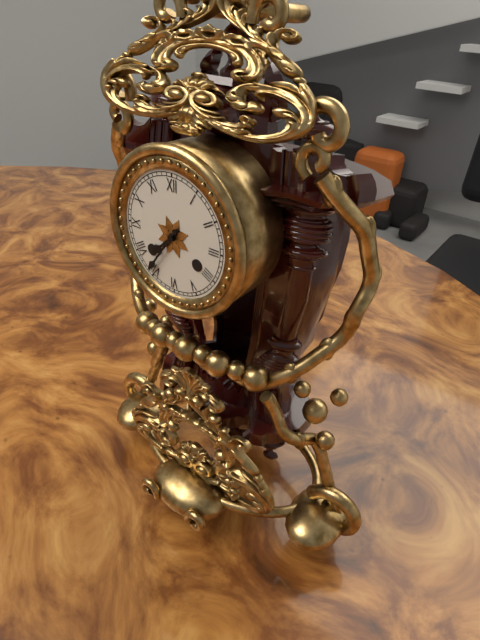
{"hour": 7, "minute": 36}
